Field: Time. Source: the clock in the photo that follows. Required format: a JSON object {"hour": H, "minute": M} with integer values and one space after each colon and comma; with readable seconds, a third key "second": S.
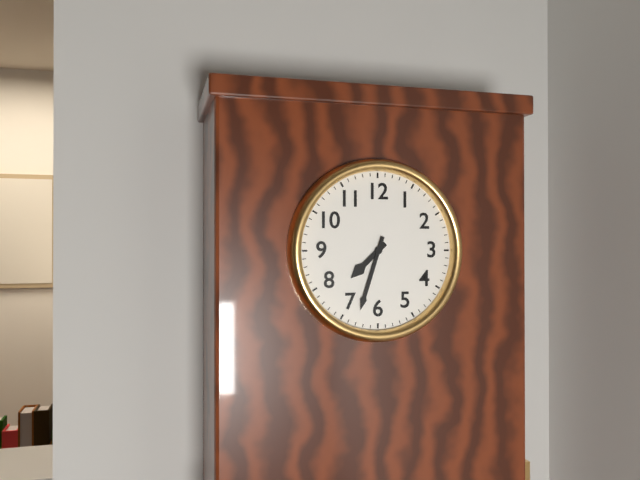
{"hour": 7, "minute": 33}
